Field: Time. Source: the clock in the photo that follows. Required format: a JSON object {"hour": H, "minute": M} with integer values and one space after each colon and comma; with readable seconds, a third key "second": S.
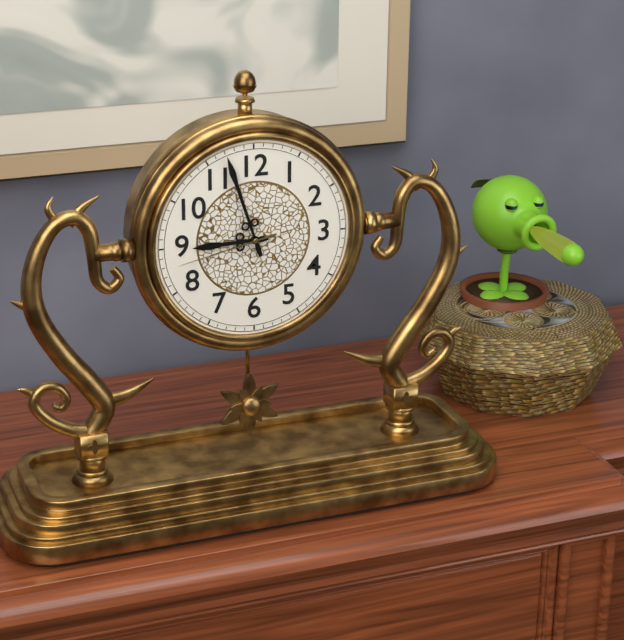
{"hour": 8, "minute": 57, "second": 43}
